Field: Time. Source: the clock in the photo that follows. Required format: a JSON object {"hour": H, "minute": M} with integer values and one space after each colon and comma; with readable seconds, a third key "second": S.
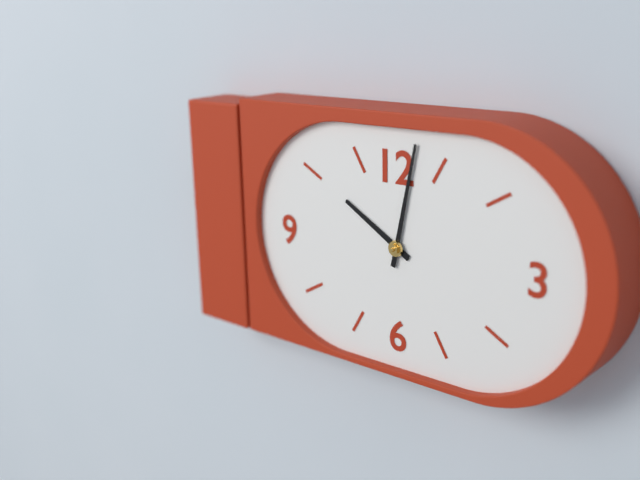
{"hour": 10, "minute": 2}
